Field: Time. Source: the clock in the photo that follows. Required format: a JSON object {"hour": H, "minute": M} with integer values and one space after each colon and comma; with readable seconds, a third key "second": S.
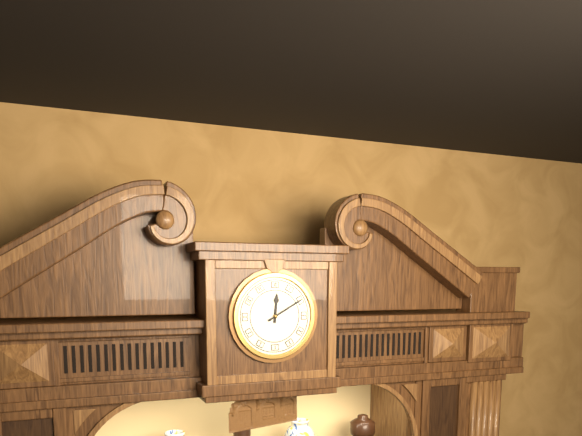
{"hour": 12, "minute": 10}
